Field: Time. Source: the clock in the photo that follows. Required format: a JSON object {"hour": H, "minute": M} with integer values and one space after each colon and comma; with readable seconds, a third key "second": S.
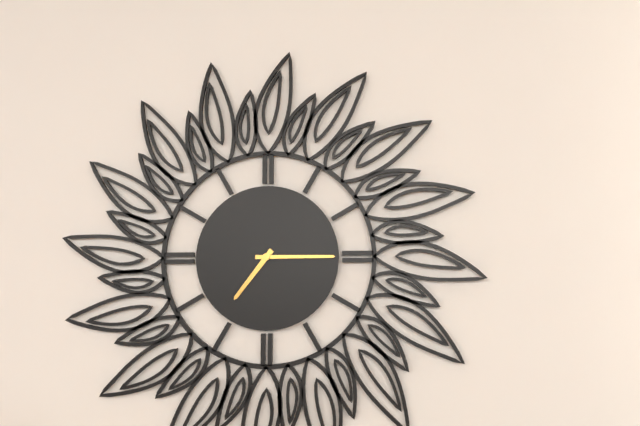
{"hour": 7, "minute": 15}
